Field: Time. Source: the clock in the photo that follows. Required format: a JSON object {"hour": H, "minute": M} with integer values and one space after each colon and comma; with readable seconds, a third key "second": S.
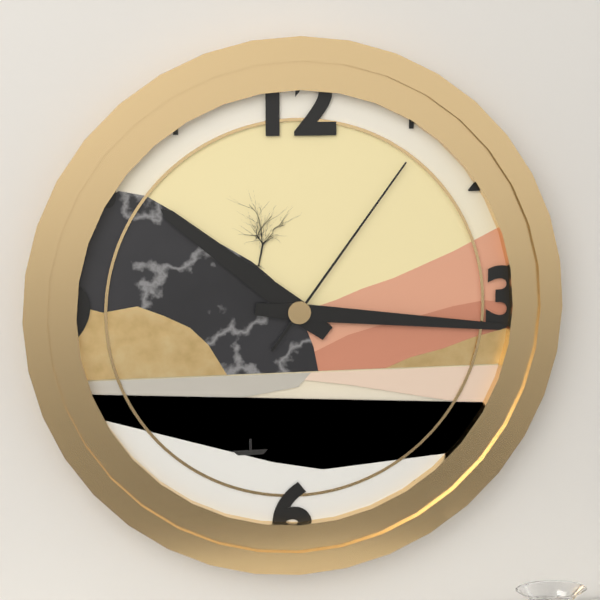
{"hour": 10, "minute": 16, "second": 6}
